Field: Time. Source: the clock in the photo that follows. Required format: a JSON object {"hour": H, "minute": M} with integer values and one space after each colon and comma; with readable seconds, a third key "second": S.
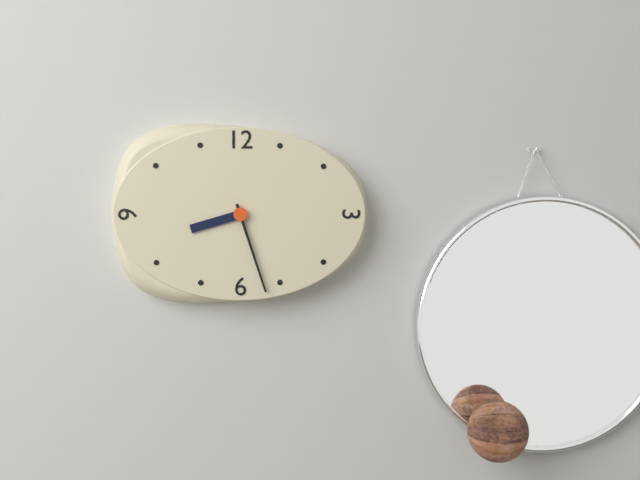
{"hour": 8, "minute": 27}
